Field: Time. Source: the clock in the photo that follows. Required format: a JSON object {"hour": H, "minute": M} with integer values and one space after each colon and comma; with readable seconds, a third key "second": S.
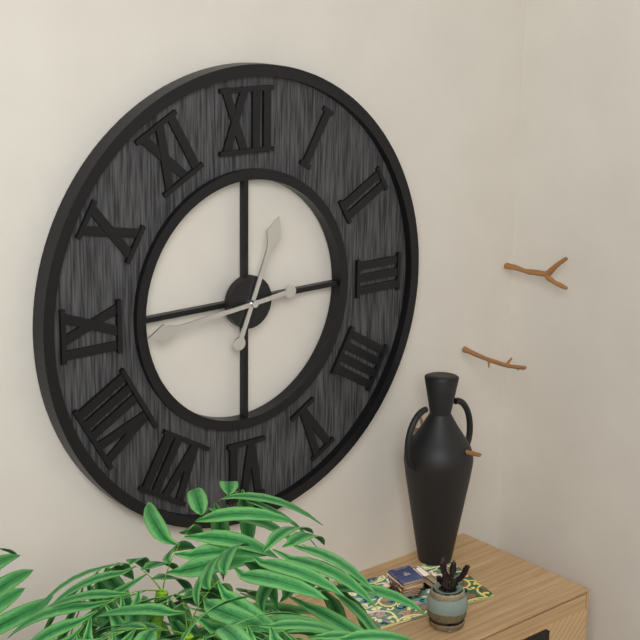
{"hour": 12, "minute": 44}
